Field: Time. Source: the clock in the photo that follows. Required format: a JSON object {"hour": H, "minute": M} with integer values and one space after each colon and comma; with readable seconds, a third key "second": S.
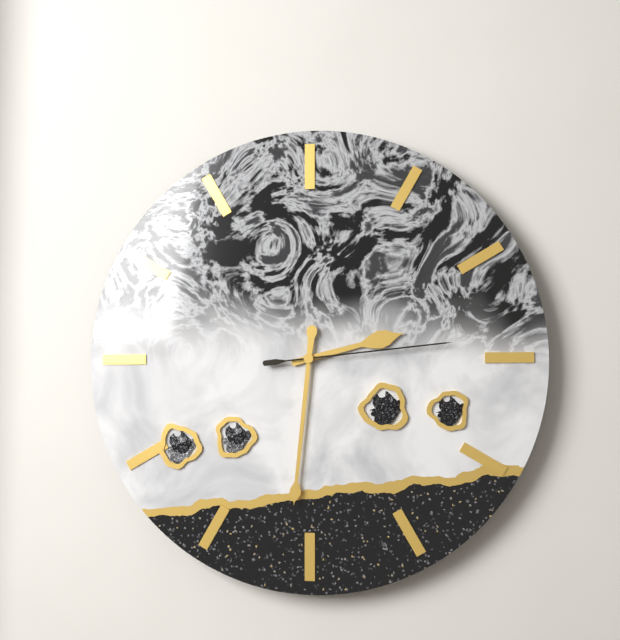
{"hour": 2, "minute": 31, "second": 14}
